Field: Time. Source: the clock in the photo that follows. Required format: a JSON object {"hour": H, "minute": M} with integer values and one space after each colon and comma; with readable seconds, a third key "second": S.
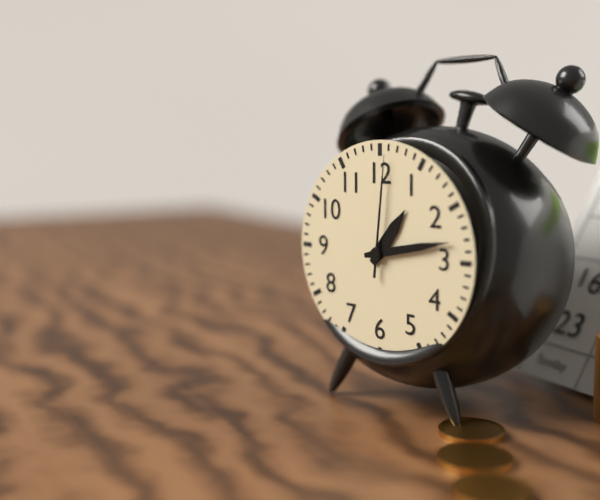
{"hour": 1, "minute": 13, "second": 1}
